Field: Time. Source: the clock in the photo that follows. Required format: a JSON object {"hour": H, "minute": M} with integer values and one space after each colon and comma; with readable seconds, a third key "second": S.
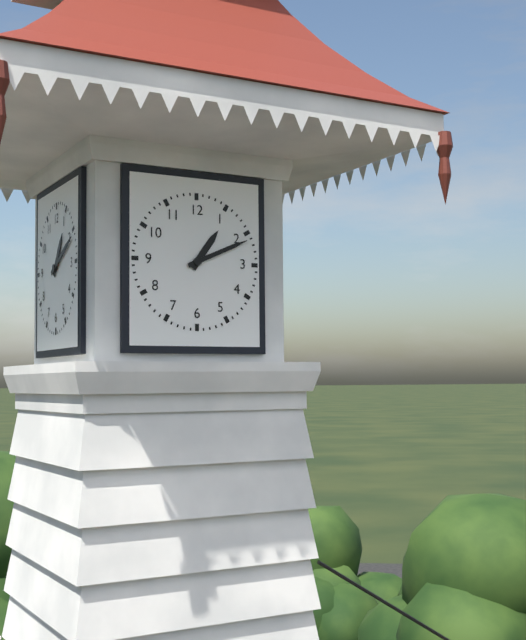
{"hour": 1, "minute": 11}
